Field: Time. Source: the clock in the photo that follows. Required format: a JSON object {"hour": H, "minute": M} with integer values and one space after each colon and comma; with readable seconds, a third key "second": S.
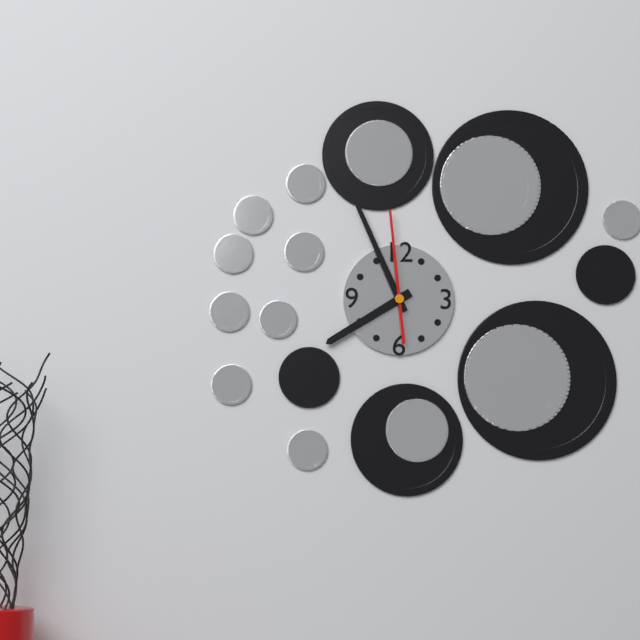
{"hour": 7, "minute": 56, "second": 59}
